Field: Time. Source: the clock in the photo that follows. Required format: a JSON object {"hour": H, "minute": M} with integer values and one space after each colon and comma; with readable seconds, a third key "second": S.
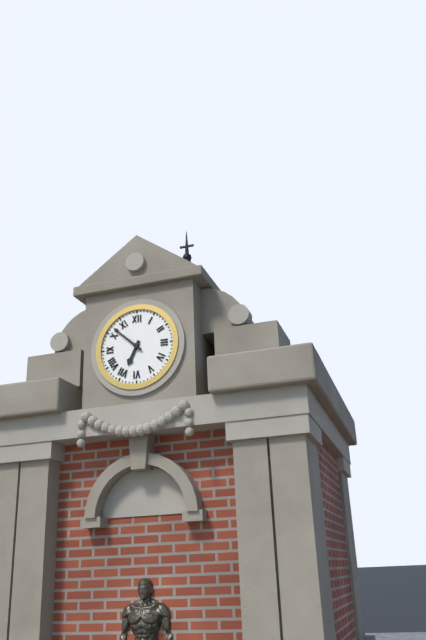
{"hour": 6, "minute": 52}
